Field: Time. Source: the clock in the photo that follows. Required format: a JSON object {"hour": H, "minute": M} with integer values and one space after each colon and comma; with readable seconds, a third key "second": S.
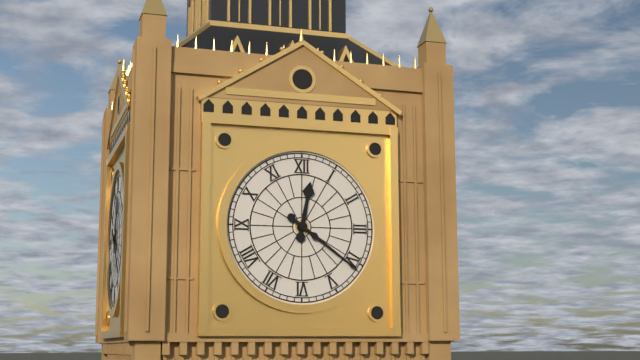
{"hour": 12, "minute": 21}
